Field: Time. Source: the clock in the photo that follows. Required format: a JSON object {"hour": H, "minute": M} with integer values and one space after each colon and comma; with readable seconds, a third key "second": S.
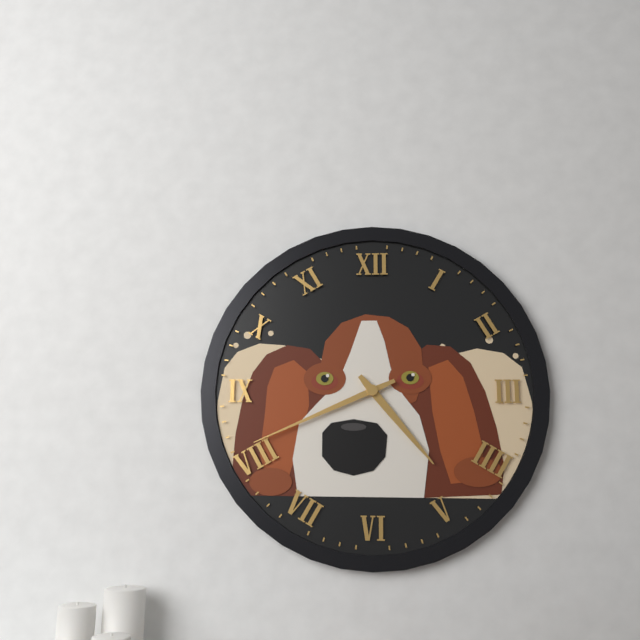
{"hour": 4, "minute": 41}
